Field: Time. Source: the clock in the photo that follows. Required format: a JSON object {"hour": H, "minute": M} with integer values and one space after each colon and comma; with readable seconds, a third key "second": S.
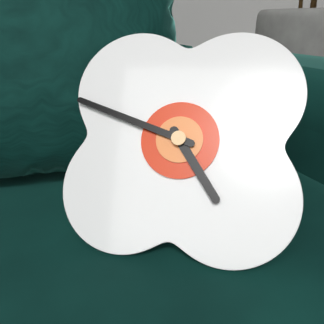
{"hour": 4, "minute": 48}
